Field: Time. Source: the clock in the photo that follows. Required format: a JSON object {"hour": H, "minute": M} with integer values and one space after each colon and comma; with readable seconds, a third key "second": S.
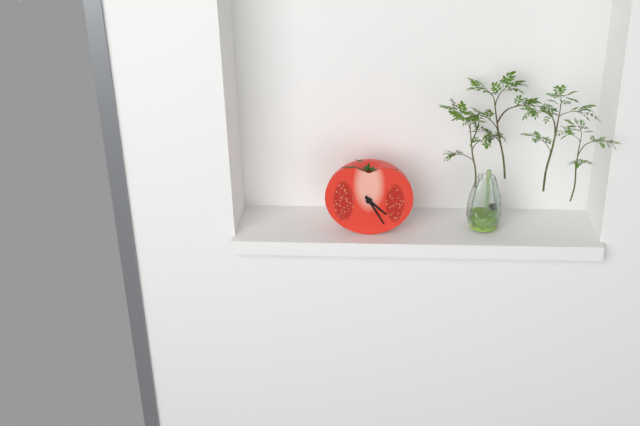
{"hour": 4, "minute": 25}
